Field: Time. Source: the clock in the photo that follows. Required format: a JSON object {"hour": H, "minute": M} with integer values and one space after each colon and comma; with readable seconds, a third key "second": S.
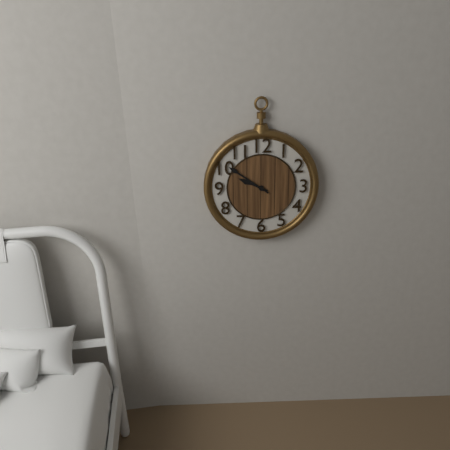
{"hour": 9, "minute": 51}
